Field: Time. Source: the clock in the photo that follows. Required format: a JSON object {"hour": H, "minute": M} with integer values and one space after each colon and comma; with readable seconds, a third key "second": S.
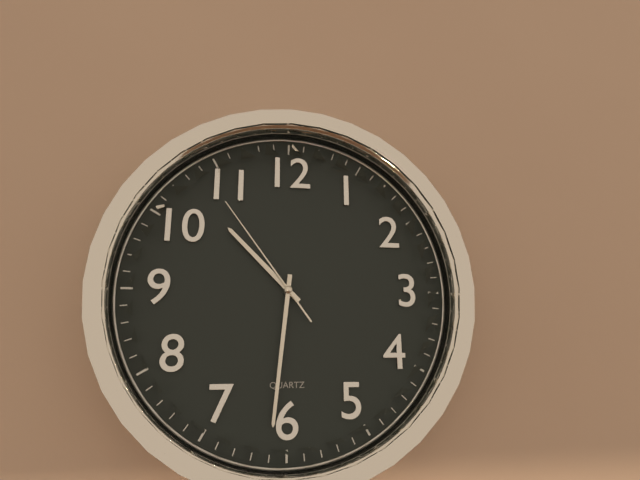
{"hour": 10, "minute": 31, "second": 54}
